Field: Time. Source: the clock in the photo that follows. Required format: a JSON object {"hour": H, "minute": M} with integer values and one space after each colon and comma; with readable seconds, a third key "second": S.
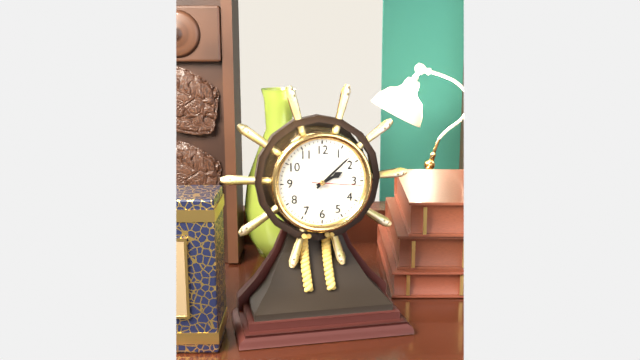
{"hour": 2, "minute": 8}
